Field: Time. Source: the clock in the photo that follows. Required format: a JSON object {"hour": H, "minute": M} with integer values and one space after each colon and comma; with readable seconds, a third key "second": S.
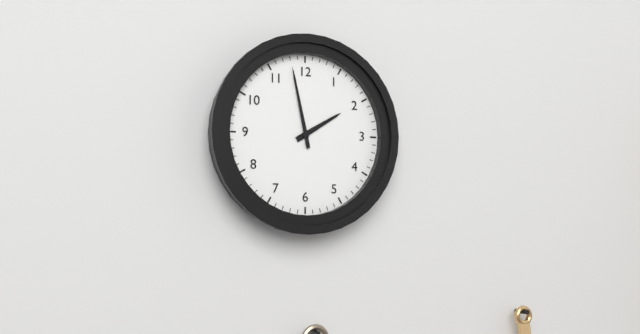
{"hour": 1, "minute": 58}
